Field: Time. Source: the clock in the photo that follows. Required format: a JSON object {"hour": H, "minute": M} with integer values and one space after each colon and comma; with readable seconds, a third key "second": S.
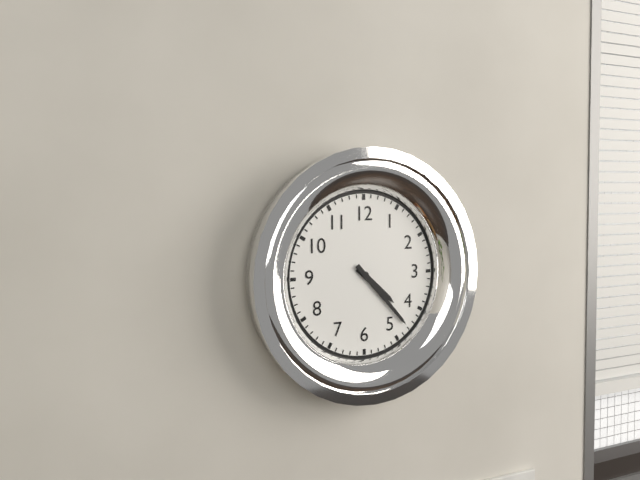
{"hour": 4, "minute": 23}
